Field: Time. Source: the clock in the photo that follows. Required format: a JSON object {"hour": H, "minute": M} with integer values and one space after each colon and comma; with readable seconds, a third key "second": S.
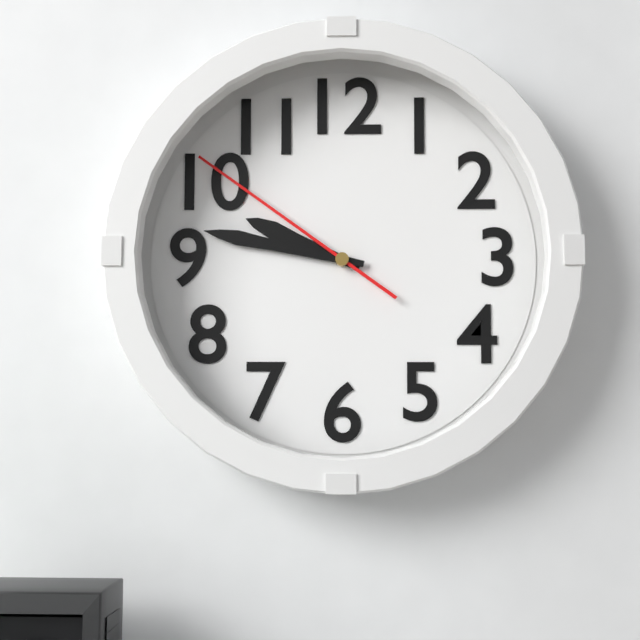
{"hour": 9, "minute": 47, "second": 51}
